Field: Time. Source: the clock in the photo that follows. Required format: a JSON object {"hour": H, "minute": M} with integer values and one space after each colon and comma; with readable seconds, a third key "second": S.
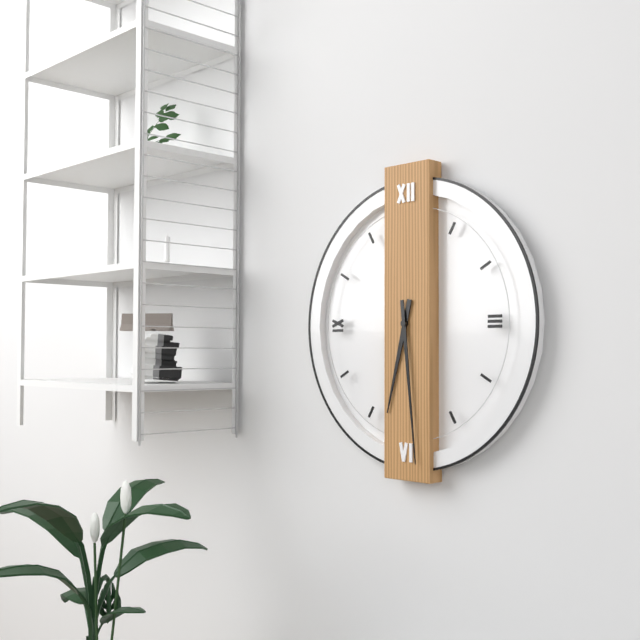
{"hour": 6, "minute": 29}
